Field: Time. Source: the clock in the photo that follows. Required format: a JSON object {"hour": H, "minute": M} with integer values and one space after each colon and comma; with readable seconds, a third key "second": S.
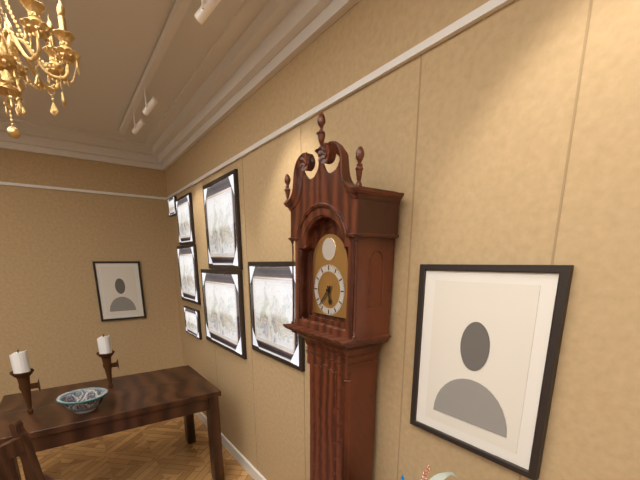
{"hour": 5, "minute": 37}
